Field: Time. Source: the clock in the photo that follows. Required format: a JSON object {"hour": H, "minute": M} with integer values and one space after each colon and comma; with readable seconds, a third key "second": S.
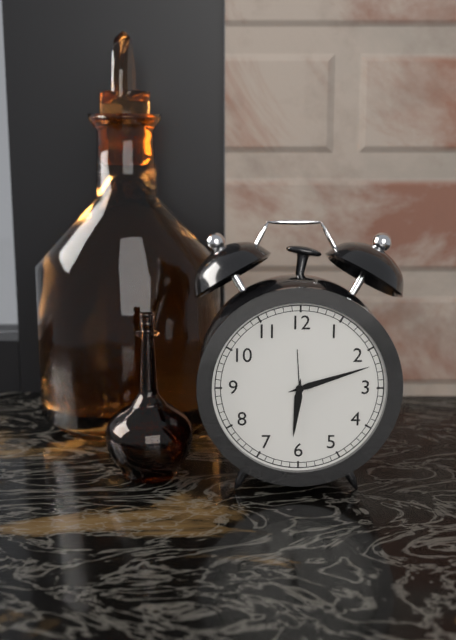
{"hour": 6, "minute": 12}
